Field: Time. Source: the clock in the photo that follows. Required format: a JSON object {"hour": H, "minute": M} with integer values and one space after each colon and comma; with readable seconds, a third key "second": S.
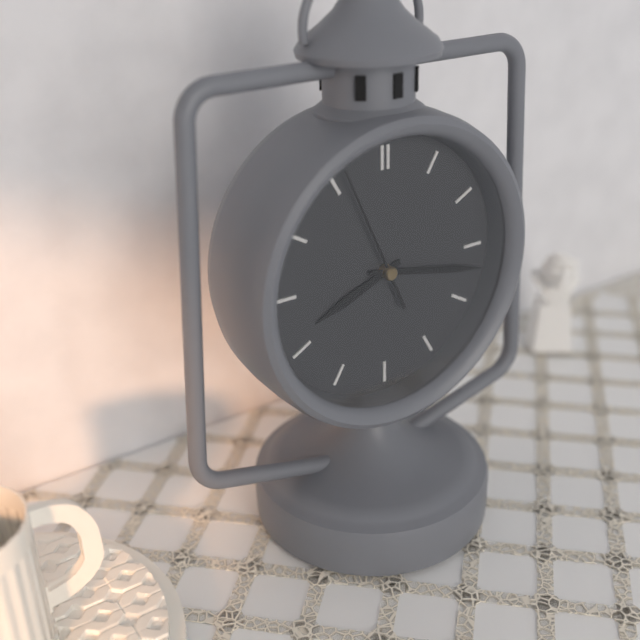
{"hour": 8, "minute": 17, "second": 56}
